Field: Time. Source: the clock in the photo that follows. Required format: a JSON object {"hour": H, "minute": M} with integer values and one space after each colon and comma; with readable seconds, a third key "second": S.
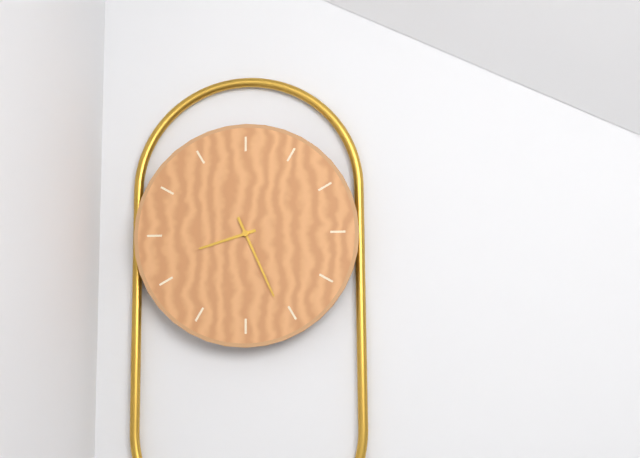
{"hour": 8, "minute": 26}
